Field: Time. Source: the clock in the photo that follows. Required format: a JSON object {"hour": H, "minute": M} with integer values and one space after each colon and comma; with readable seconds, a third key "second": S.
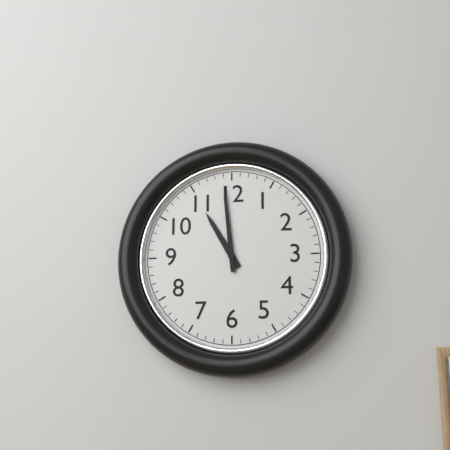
{"hour": 10, "minute": 59}
